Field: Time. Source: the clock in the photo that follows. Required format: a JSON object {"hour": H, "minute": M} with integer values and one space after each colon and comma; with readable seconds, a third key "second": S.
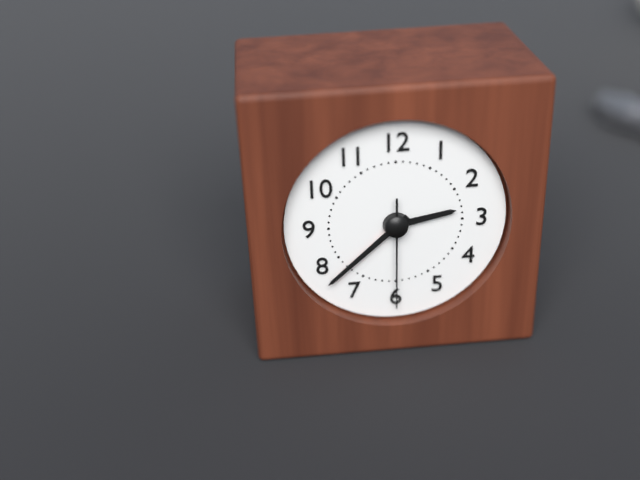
{"hour": 2, "minute": 38, "second": 30}
